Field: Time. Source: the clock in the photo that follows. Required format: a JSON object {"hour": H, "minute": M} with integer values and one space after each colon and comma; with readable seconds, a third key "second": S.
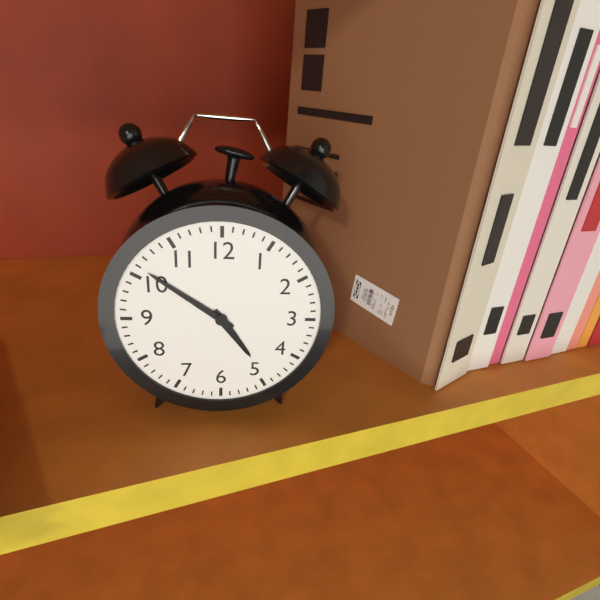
{"hour": 4, "minute": 51}
